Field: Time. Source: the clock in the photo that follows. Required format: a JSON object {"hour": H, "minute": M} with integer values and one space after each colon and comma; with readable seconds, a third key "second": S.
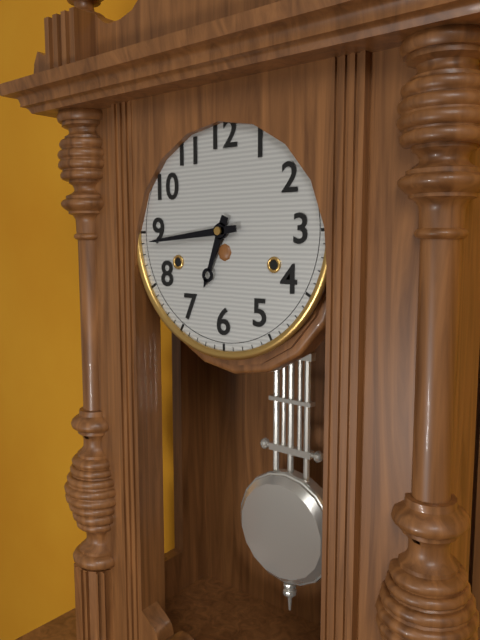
{"hour": 6, "minute": 44}
